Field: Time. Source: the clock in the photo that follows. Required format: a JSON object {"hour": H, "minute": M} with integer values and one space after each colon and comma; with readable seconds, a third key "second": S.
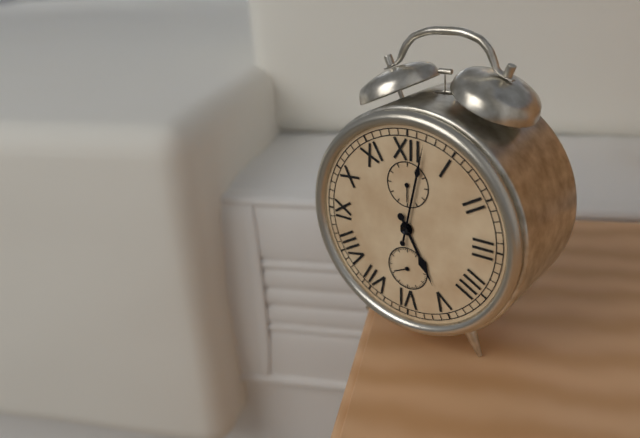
{"hour": 5, "minute": 2}
